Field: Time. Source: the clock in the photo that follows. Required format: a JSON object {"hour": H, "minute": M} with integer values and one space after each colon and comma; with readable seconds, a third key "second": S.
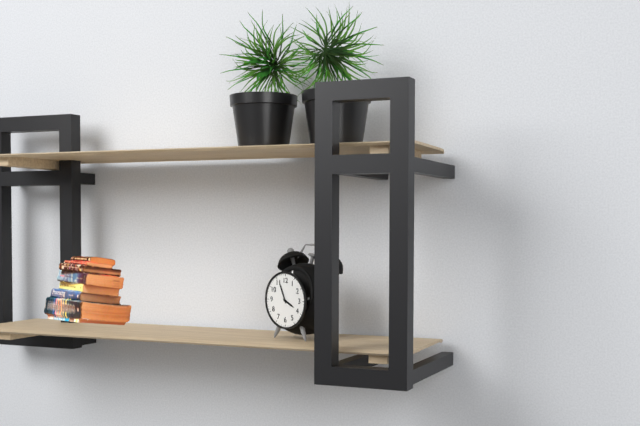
{"hour": 3, "minute": 56}
